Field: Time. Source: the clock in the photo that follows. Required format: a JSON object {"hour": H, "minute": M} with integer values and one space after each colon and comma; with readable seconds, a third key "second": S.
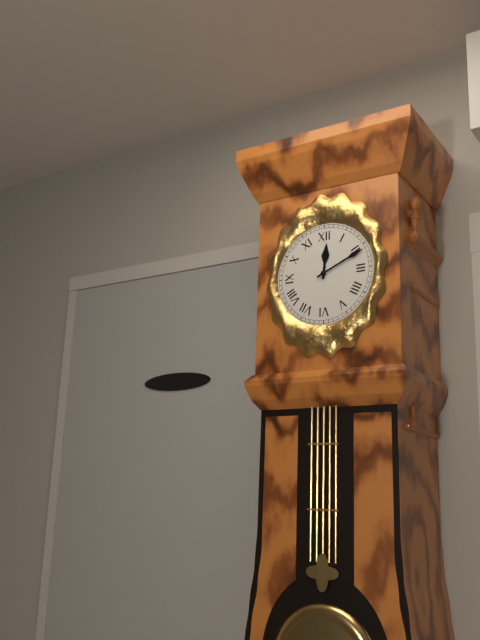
{"hour": 12, "minute": 11}
